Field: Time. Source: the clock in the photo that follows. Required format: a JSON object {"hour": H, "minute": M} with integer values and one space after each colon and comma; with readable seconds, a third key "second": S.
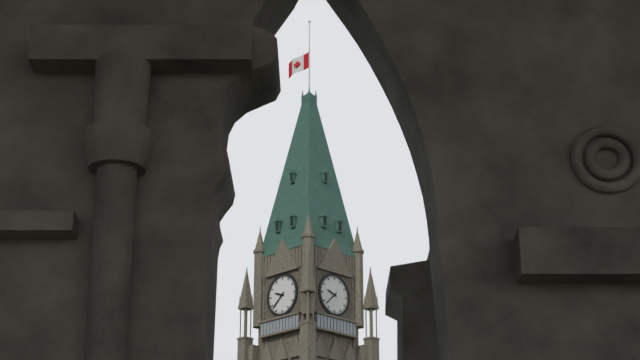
{"hour": 9, "minute": 38}
